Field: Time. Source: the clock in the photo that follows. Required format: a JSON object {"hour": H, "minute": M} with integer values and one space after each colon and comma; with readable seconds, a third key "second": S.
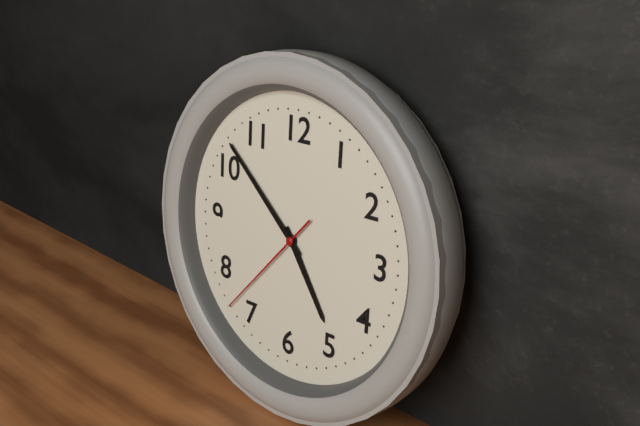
{"hour": 4, "minute": 52, "second": 37}
